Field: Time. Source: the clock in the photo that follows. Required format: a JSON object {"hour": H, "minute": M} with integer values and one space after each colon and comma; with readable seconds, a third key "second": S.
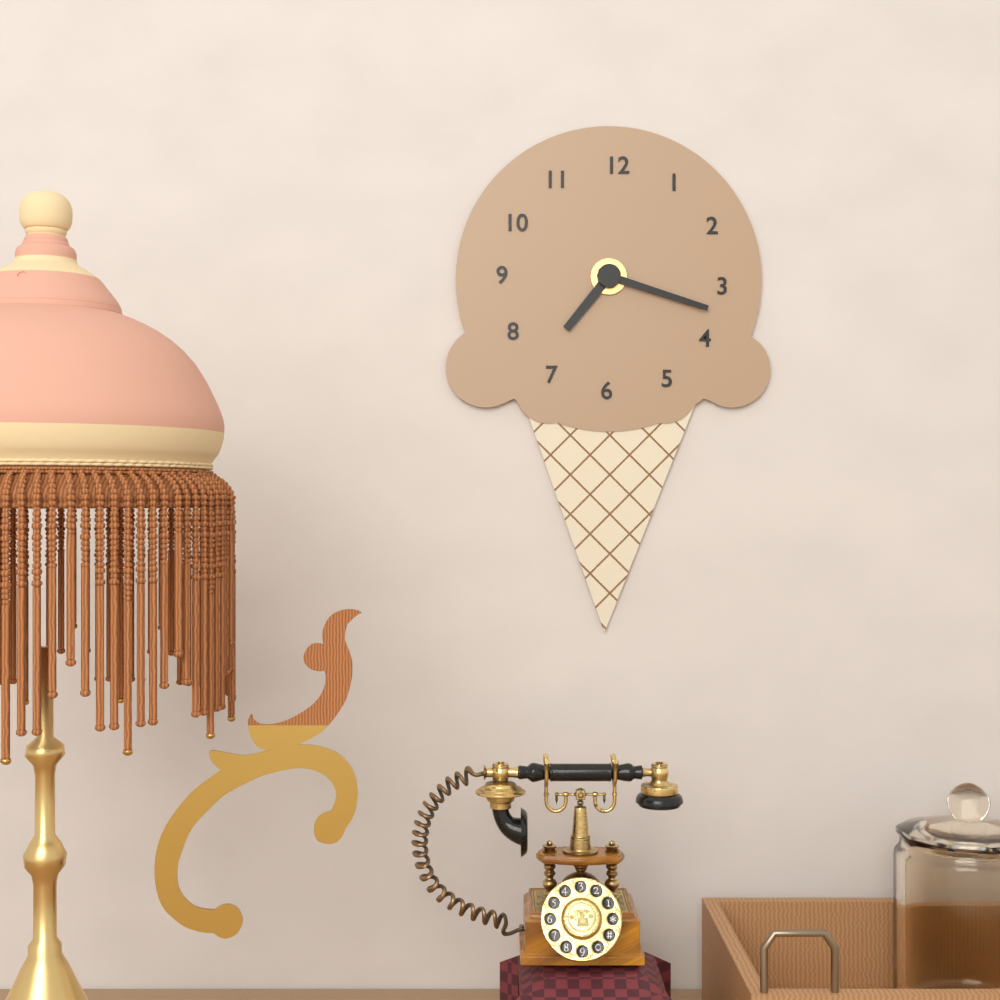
{"hour": 7, "minute": 18}
